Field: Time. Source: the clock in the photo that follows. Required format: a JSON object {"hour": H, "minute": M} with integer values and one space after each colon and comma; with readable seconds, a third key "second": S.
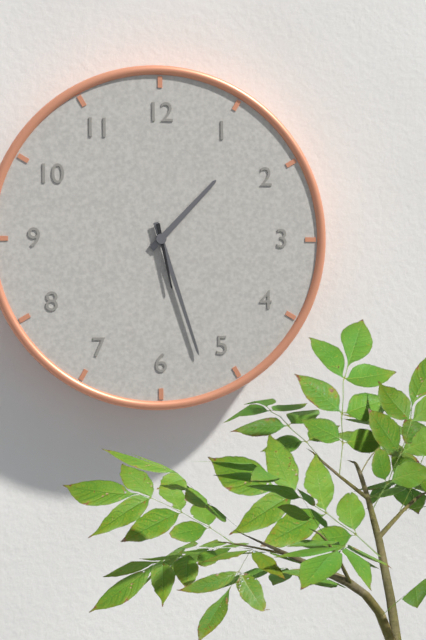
{"hour": 1, "minute": 27, "second": 28}
